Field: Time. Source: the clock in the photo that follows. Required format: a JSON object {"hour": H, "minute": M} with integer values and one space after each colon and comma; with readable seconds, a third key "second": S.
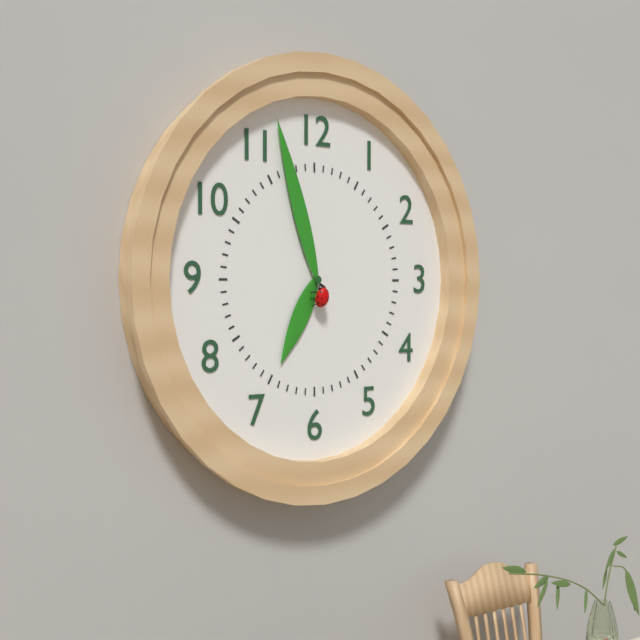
{"hour": 6, "minute": 57}
